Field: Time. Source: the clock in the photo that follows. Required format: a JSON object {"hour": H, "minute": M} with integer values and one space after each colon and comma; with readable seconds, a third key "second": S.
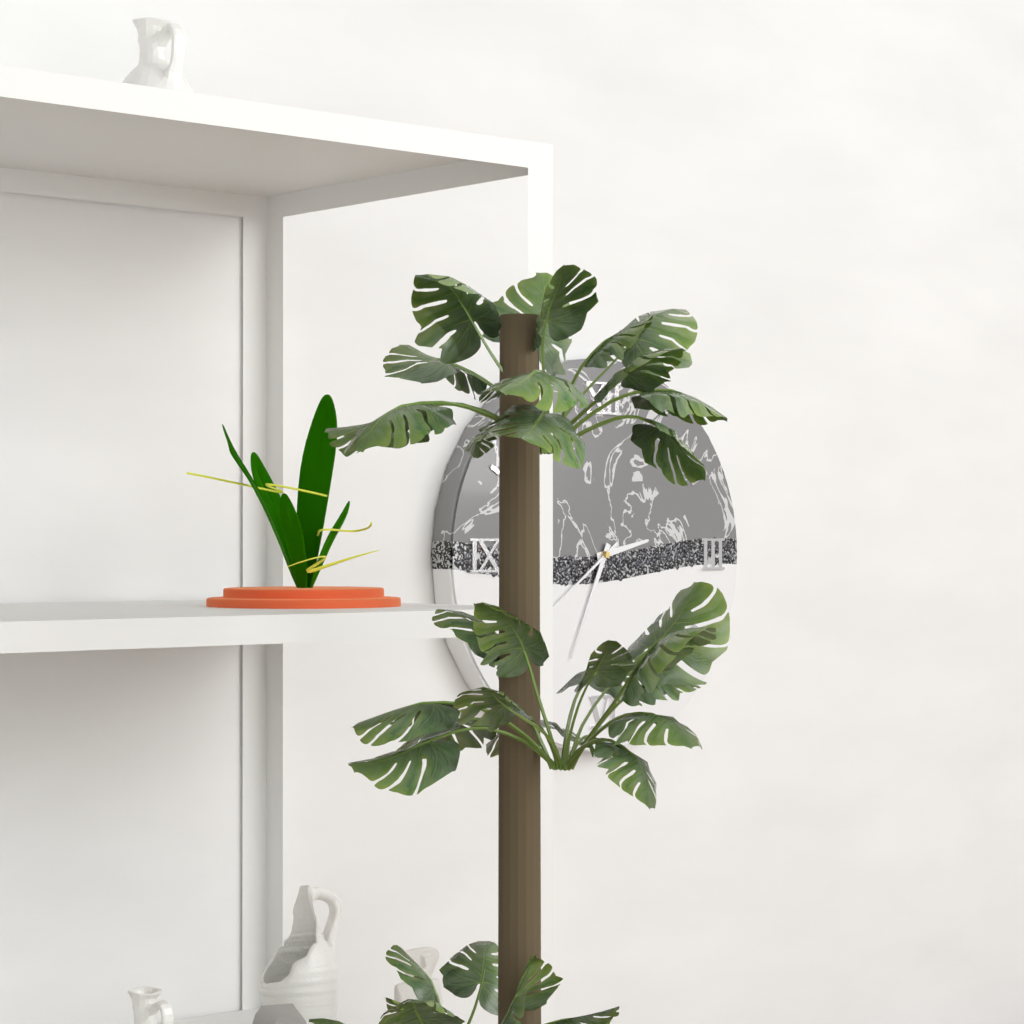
{"hour": 2, "minute": 34, "second": 39}
